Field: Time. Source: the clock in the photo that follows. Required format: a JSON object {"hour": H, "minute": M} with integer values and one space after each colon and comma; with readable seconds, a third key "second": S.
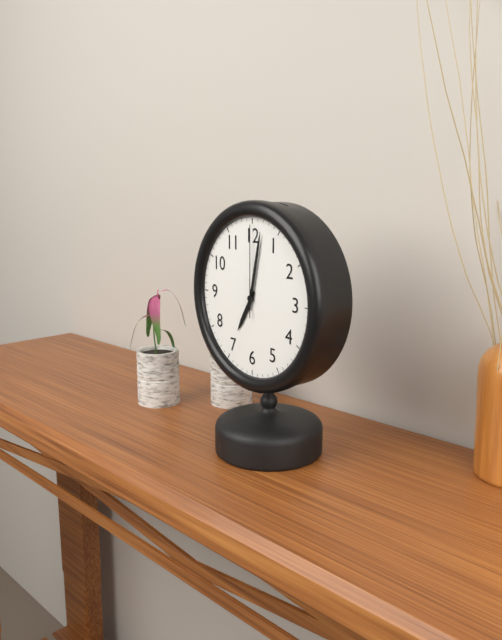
{"hour": 7, "minute": 2, "second": 0}
